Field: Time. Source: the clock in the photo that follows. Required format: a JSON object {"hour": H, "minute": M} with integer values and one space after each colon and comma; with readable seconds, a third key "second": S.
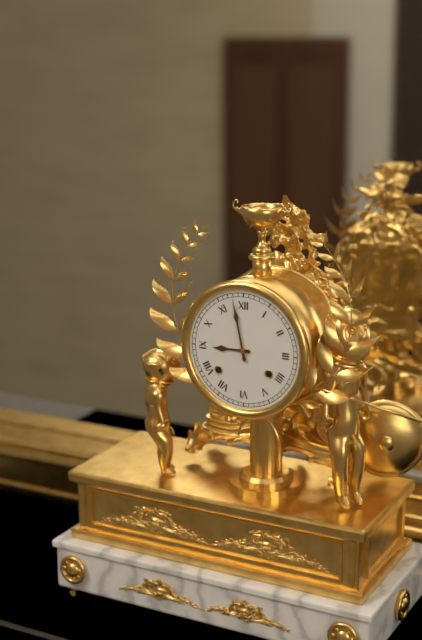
{"hour": 8, "minute": 58}
